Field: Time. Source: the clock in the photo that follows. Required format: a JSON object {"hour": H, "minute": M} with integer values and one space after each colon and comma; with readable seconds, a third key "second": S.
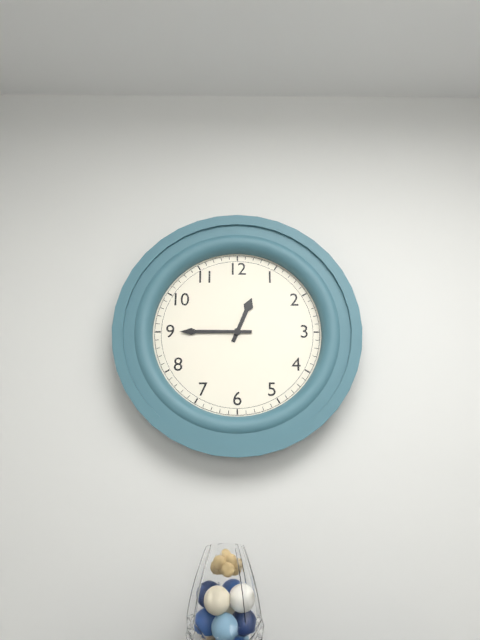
{"hour": 12, "minute": 45}
